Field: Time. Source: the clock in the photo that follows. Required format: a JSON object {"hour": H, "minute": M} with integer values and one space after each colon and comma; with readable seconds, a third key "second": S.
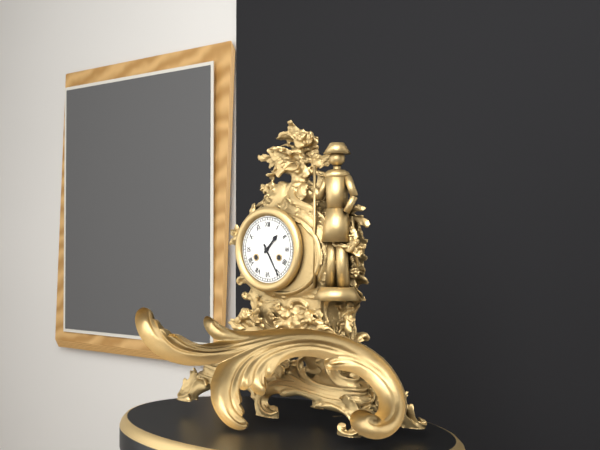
{"hour": 1, "minute": 25}
